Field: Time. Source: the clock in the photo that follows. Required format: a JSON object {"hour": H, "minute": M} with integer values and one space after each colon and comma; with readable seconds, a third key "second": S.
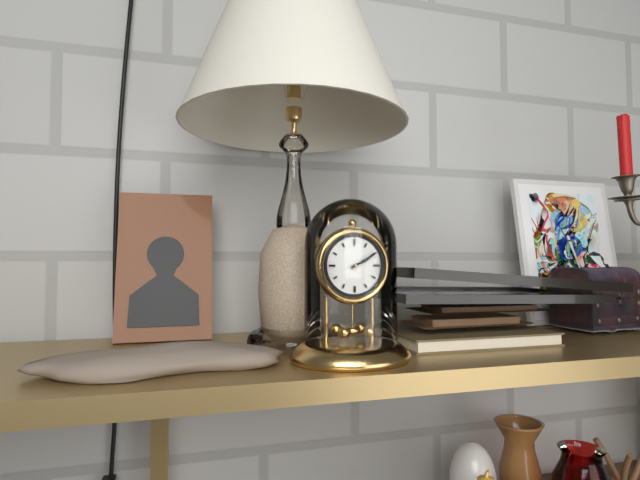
{"hour": 2, "minute": 10}
